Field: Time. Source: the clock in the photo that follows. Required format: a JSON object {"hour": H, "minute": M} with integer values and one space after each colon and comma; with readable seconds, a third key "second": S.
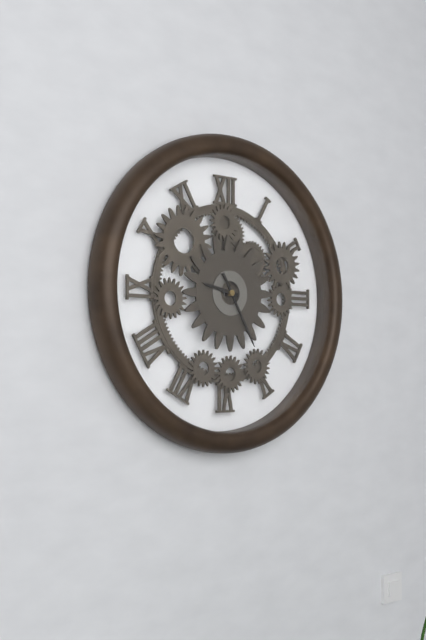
{"hour": 9, "minute": 25}
